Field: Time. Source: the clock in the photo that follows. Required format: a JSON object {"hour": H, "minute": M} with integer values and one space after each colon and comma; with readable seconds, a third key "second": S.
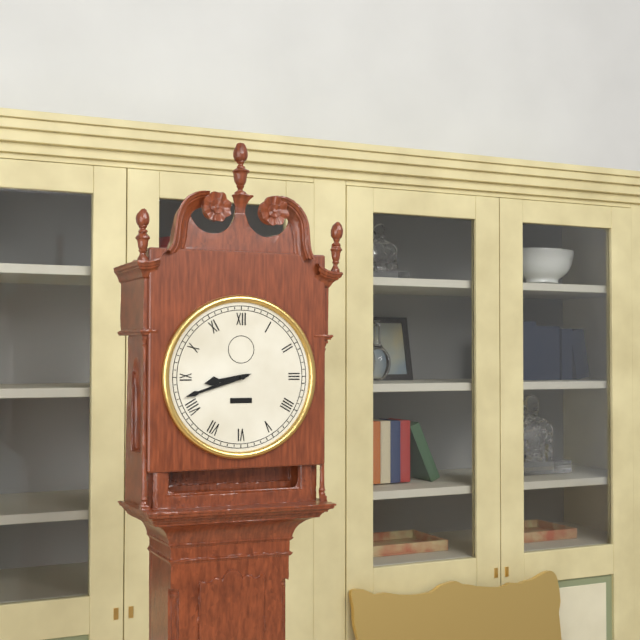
{"hour": 8, "minute": 42}
